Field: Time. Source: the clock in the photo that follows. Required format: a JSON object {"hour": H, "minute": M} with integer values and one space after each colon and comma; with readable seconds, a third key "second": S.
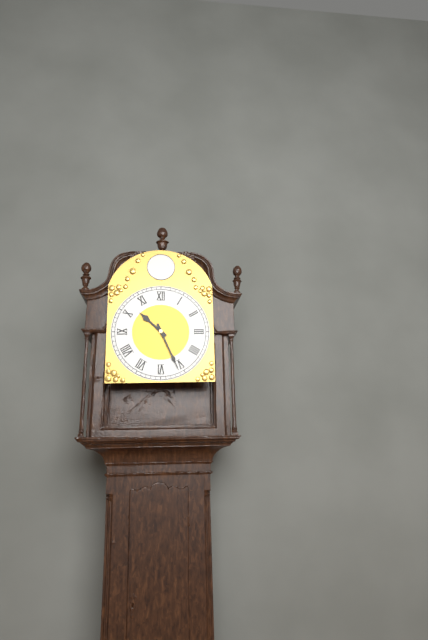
{"hour": 10, "minute": 26}
